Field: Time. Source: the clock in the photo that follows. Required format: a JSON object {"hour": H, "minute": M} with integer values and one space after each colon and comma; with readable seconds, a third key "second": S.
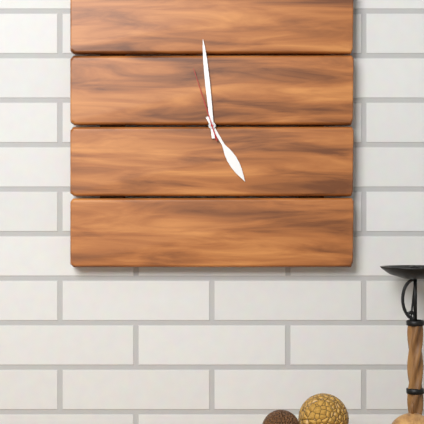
{"hour": 4, "minute": 59, "second": 57}
